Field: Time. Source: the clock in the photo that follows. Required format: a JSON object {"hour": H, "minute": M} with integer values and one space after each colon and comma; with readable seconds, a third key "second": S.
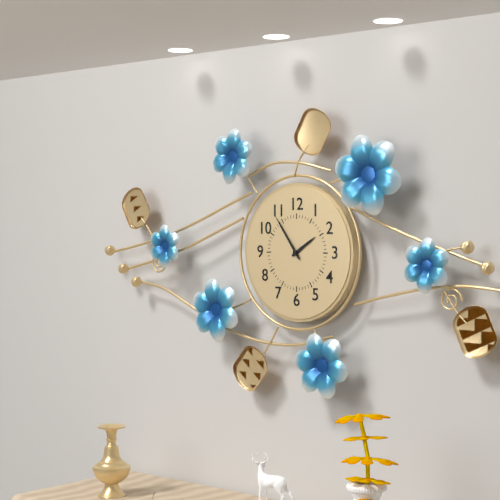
{"hour": 1, "minute": 54}
